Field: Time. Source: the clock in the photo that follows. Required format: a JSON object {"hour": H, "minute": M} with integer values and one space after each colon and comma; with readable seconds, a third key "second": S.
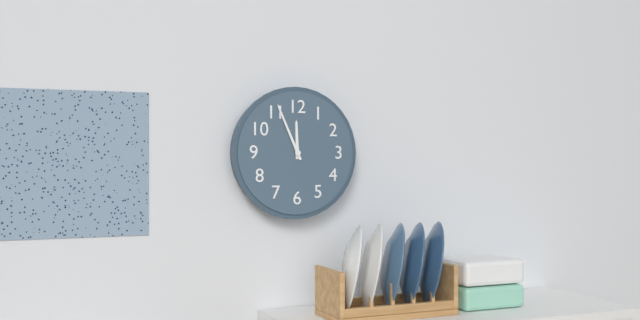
{"hour": 11, "minute": 56}
